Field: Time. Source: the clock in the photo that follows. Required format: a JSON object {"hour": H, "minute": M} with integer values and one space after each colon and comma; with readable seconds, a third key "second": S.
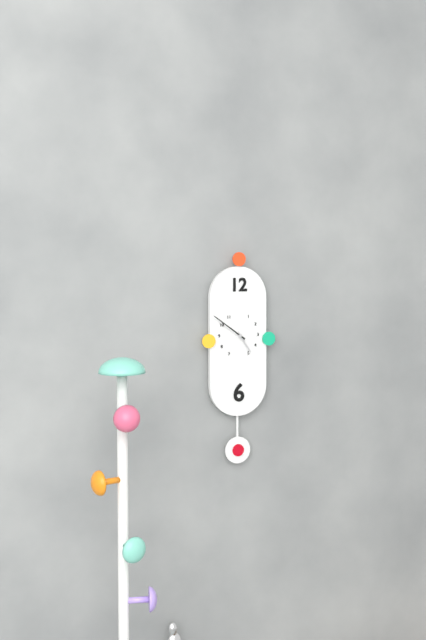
{"hour": 4, "minute": 51}
